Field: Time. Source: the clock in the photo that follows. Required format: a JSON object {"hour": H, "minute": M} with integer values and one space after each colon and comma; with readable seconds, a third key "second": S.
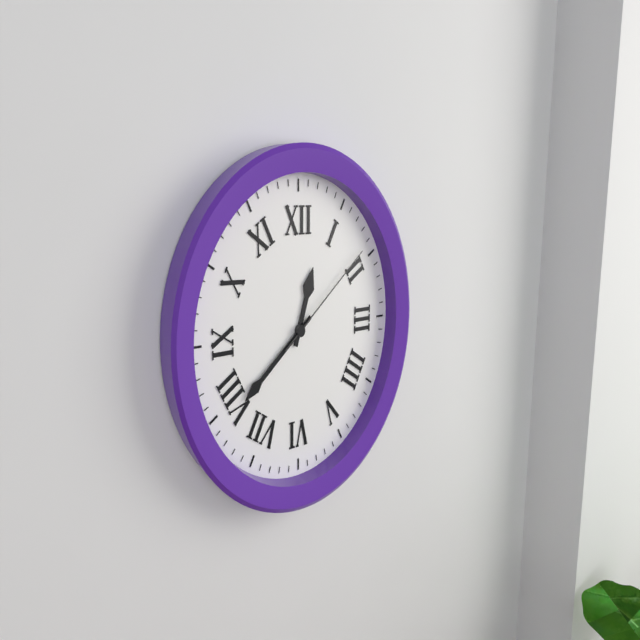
{"hour": 12, "minute": 39, "second": 9}
